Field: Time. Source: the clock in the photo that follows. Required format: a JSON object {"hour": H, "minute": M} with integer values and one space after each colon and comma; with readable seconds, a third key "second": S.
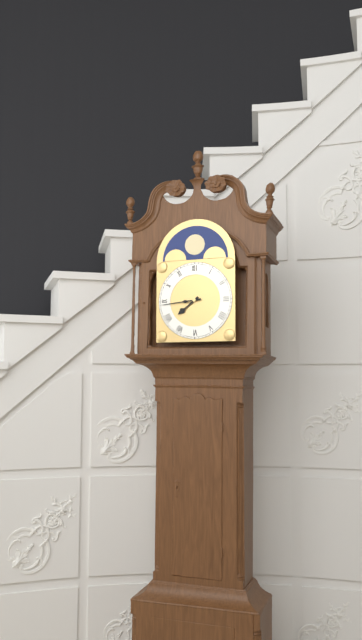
{"hour": 7, "minute": 44}
